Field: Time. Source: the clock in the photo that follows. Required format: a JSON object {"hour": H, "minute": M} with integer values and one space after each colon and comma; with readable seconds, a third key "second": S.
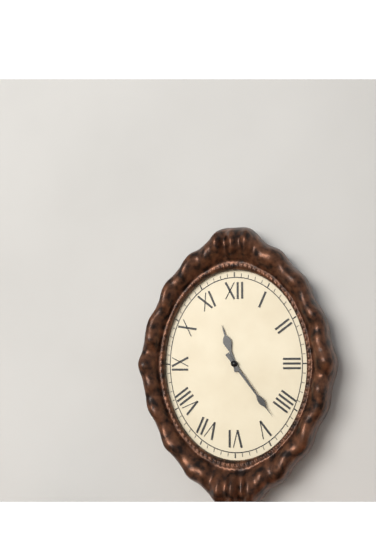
{"hour": 11, "minute": 24}
